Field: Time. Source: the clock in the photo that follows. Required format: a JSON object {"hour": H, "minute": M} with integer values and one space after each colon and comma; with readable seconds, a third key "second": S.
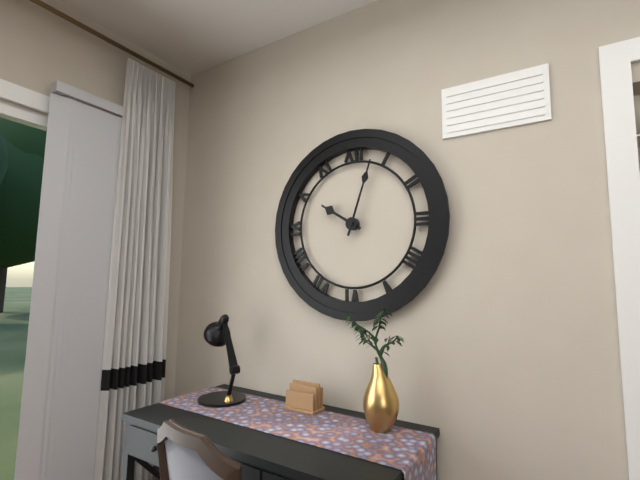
{"hour": 10, "minute": 3}
